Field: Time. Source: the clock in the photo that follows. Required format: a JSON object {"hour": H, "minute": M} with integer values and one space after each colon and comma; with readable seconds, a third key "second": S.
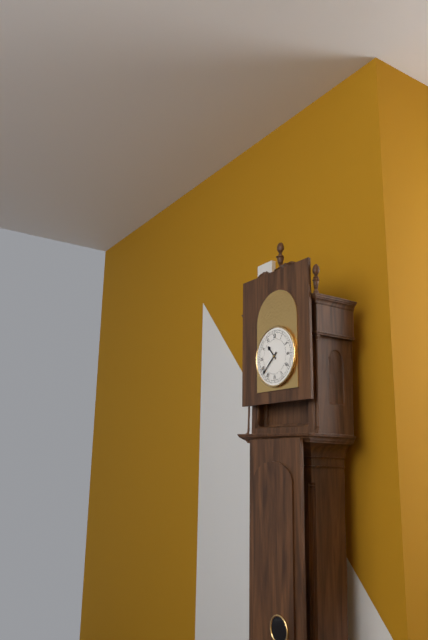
{"hour": 10, "minute": 38}
